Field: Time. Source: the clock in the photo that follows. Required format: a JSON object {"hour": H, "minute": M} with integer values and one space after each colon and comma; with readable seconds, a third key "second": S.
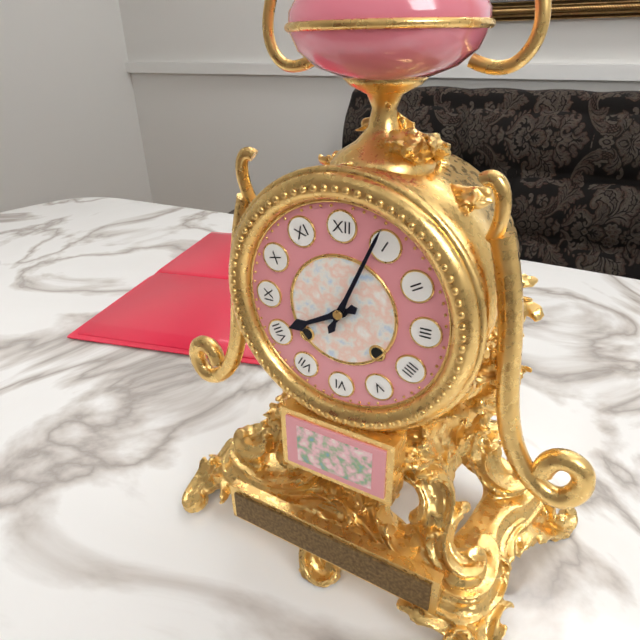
{"hour": 8, "minute": 4}
